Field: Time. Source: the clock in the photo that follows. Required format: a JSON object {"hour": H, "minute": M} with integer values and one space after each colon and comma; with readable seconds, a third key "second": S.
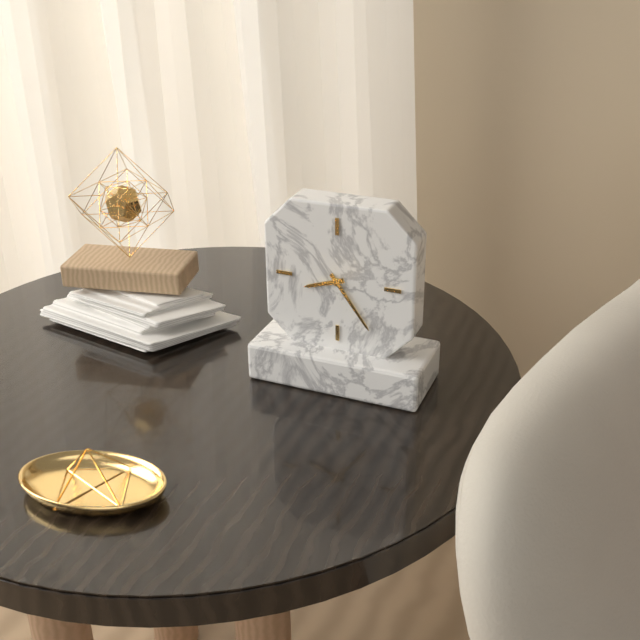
{"hour": 8, "minute": 24}
